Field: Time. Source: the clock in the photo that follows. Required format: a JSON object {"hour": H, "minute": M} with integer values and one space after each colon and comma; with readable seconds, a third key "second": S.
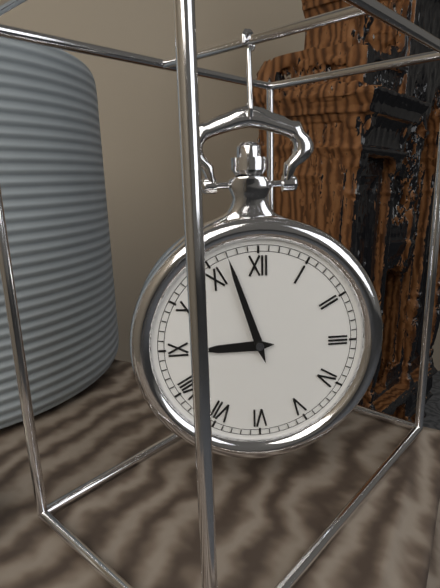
{"hour": 8, "minute": 57}
